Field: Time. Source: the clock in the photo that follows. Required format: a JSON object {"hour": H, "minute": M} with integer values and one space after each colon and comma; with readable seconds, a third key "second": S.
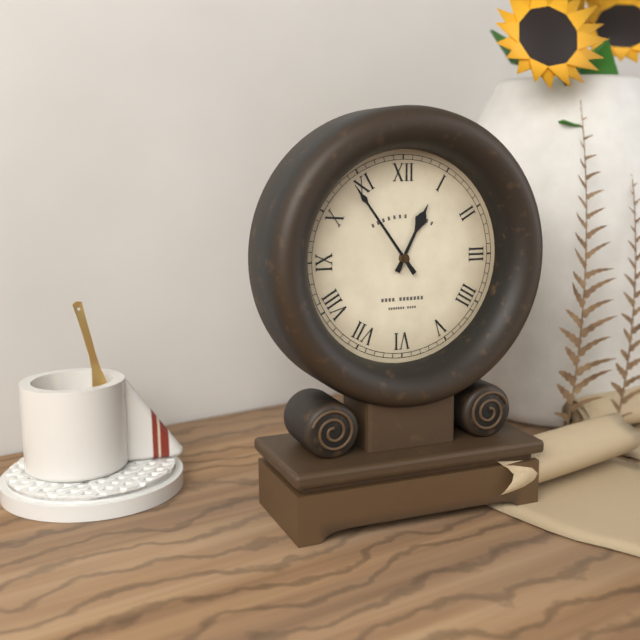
{"hour": 12, "minute": 54}
